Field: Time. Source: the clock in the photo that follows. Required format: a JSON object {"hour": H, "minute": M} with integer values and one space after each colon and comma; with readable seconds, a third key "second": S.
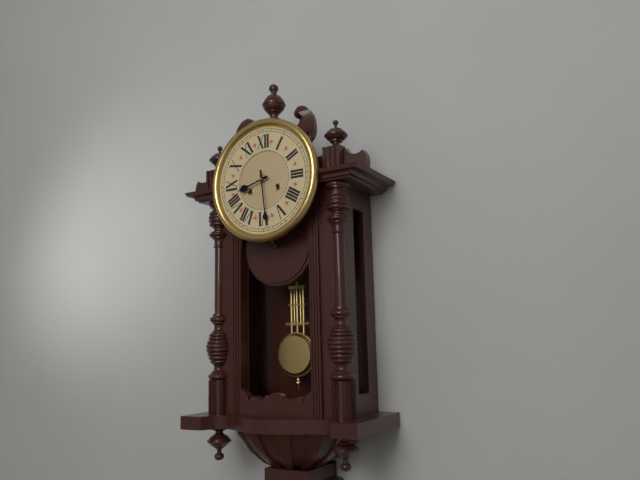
{"hour": 8, "minute": 29}
